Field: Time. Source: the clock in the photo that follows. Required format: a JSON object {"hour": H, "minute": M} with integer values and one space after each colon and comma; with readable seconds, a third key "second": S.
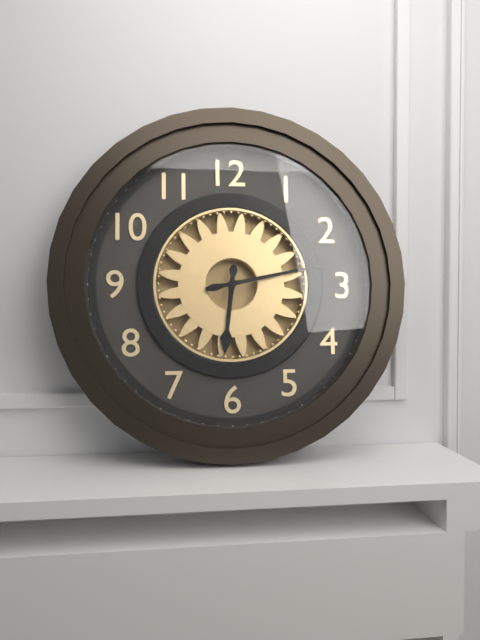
{"hour": 6, "minute": 13}
